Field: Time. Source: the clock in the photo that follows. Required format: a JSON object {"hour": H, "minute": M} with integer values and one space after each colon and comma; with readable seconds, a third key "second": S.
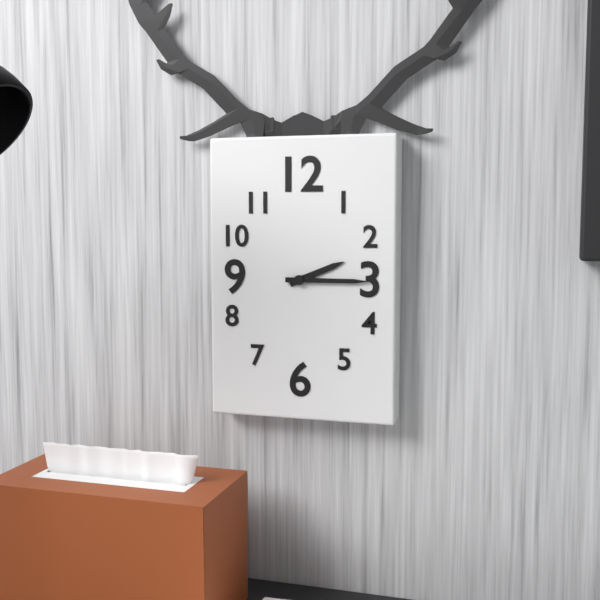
{"hour": 2, "minute": 15}
